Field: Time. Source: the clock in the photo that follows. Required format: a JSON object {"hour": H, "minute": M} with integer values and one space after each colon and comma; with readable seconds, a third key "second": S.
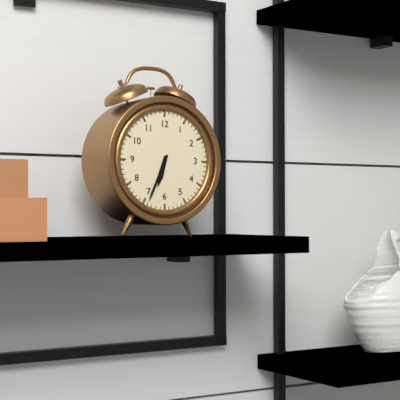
{"hour": 6, "minute": 34}
